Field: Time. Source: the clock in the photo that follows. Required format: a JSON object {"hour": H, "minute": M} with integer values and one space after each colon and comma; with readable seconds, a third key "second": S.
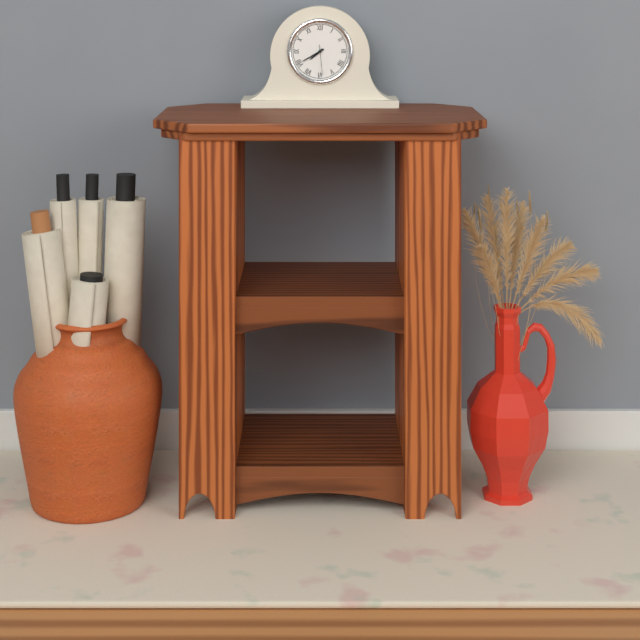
{"hour": 7, "minute": 40}
